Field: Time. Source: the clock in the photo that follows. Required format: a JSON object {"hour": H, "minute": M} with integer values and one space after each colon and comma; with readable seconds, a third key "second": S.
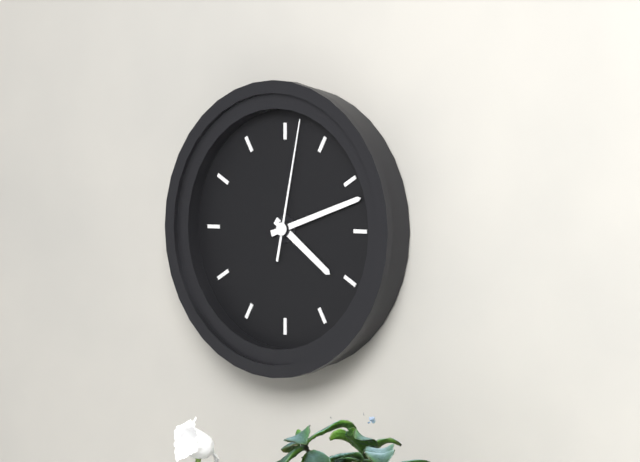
{"hour": 4, "minute": 12, "second": 2}
